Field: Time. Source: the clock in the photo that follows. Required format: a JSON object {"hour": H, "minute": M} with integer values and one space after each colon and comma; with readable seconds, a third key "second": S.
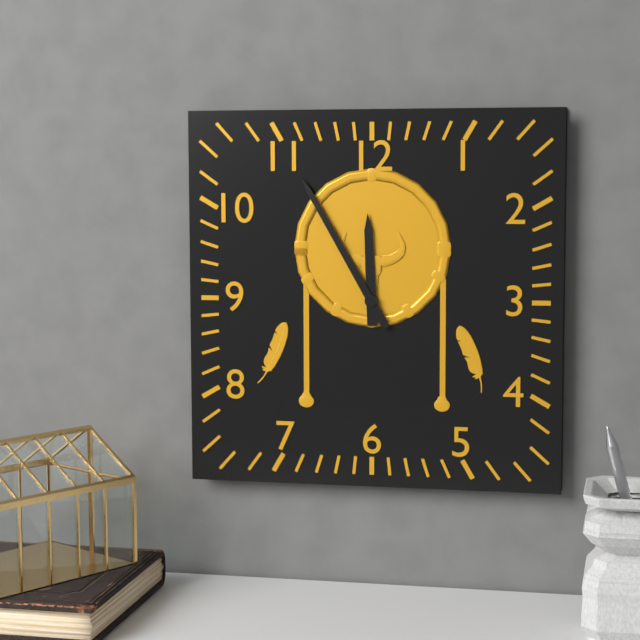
{"hour": 11, "minute": 55}
